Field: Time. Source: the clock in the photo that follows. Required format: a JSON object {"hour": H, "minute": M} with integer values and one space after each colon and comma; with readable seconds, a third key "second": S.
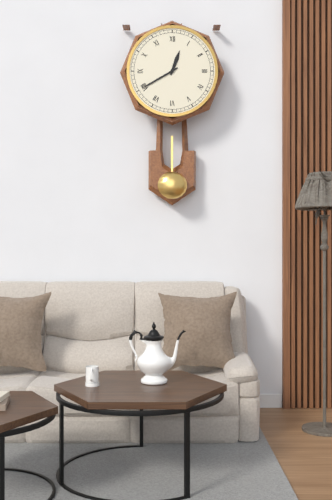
{"hour": 12, "minute": 40}
